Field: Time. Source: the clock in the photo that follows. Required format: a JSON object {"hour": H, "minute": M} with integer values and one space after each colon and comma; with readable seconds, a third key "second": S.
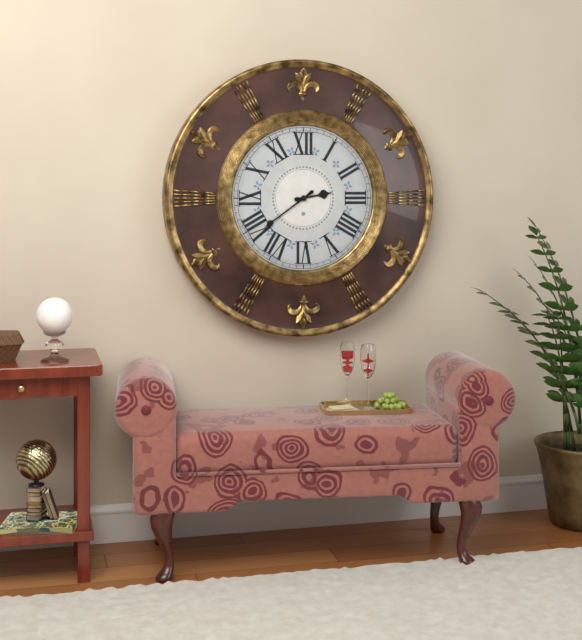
{"hour": 2, "minute": 39}
